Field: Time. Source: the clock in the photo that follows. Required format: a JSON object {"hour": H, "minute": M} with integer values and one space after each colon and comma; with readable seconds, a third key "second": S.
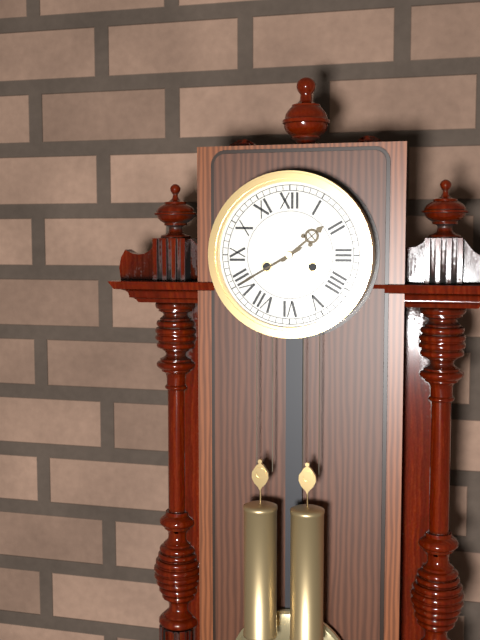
{"hour": 1, "minute": 40}
